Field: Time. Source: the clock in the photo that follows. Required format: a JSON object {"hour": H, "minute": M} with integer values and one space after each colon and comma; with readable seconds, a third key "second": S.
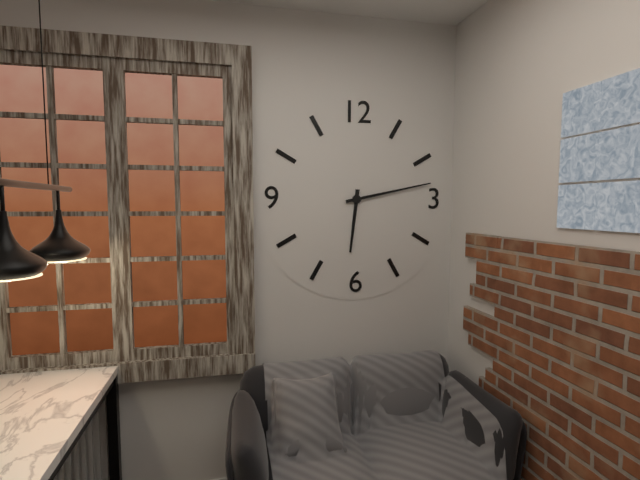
{"hour": 6, "minute": 13}
